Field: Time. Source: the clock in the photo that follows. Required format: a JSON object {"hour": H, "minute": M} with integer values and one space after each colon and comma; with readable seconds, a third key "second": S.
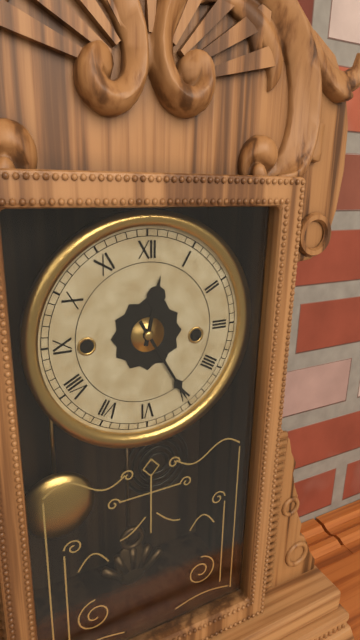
{"hour": 12, "minute": 25}
